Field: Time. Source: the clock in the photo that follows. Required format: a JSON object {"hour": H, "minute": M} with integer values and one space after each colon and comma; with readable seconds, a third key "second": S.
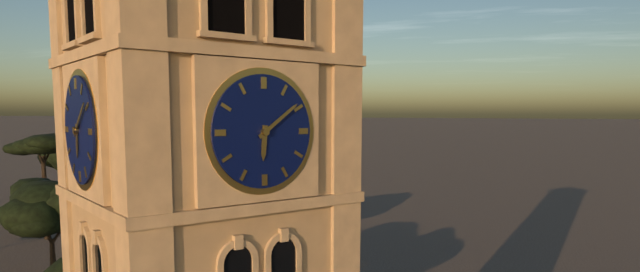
{"hour": 6, "minute": 9}
